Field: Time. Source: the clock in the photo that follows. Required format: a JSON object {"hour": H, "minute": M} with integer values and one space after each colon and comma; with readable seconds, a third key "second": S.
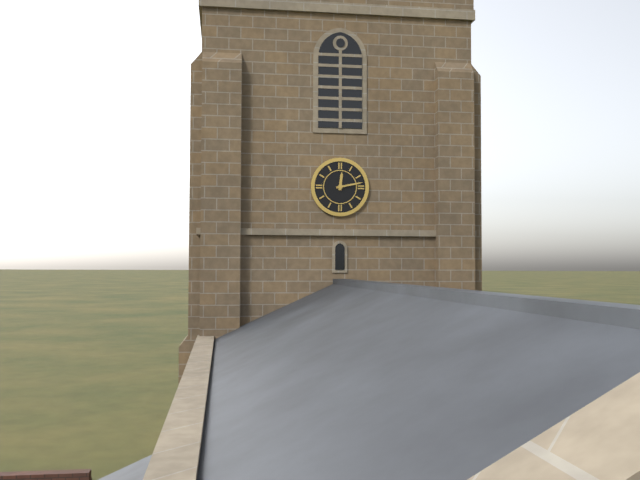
{"hour": 12, "minute": 13}
